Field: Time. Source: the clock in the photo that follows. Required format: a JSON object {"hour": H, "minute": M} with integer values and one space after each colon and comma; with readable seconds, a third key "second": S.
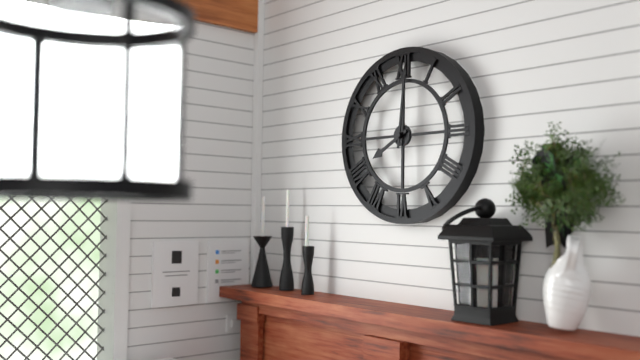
{"hour": 8, "minute": 1}
